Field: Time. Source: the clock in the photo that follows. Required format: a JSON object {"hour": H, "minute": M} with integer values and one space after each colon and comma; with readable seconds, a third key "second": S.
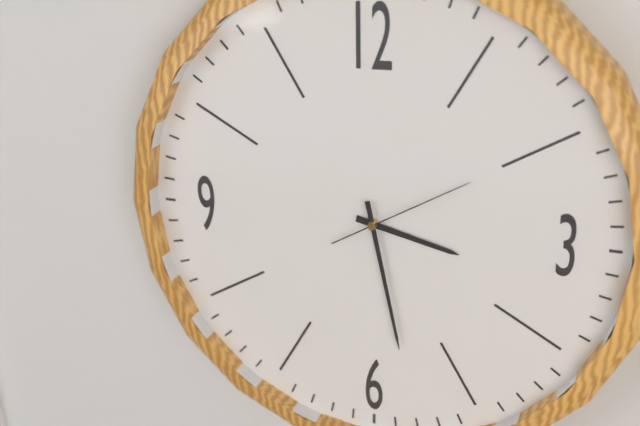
{"hour": 3, "minute": 28, "second": 10}
